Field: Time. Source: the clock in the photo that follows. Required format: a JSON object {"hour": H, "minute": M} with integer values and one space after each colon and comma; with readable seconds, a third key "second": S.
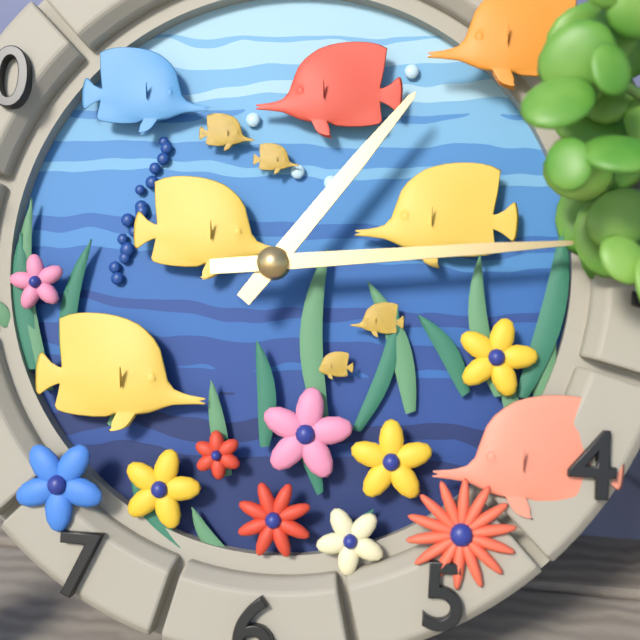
{"hour": 1, "minute": 14}
